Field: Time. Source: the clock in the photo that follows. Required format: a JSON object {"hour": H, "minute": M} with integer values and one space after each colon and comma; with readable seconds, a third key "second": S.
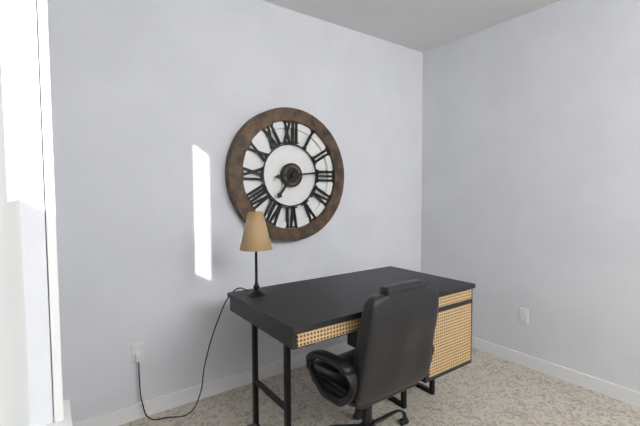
{"hour": 7, "minute": 14}
